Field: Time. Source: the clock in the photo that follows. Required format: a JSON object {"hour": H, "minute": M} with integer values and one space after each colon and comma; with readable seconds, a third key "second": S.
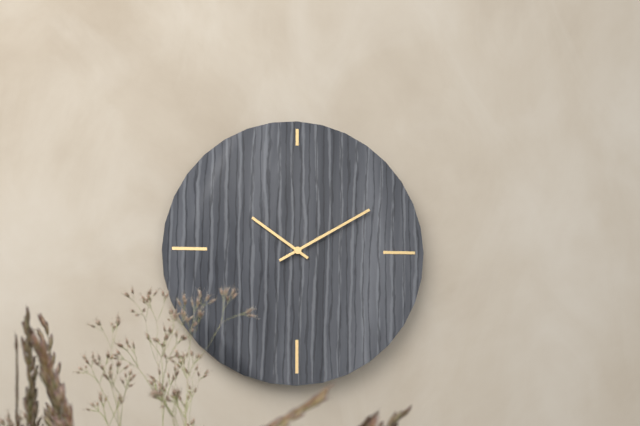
{"hour": 10, "minute": 10}
